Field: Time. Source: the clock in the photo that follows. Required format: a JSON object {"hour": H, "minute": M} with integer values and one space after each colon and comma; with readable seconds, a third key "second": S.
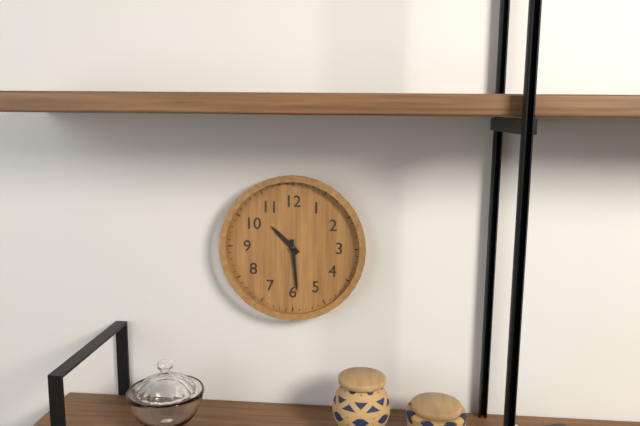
{"hour": 10, "minute": 29}
